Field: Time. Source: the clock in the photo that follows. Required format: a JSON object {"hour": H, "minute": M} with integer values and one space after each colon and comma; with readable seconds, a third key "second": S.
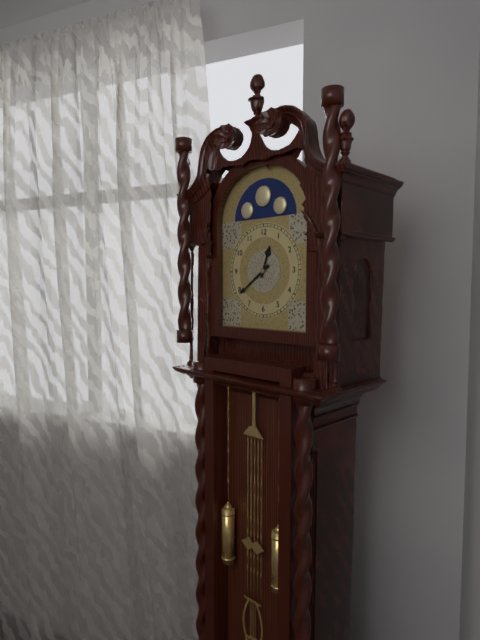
{"hour": 12, "minute": 39}
